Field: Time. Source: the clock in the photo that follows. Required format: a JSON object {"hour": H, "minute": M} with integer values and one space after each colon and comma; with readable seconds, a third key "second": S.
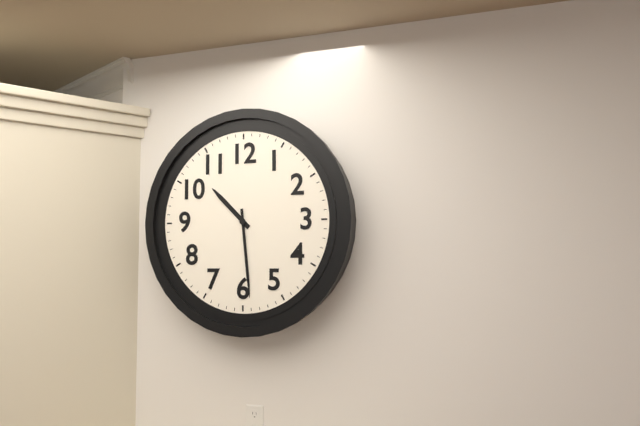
{"hour": 10, "minute": 29}
